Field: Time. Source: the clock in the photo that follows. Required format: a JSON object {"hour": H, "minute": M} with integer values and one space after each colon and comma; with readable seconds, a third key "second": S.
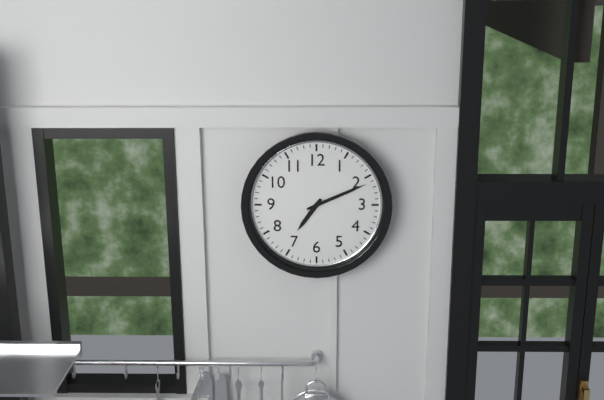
{"hour": 7, "minute": 11}
